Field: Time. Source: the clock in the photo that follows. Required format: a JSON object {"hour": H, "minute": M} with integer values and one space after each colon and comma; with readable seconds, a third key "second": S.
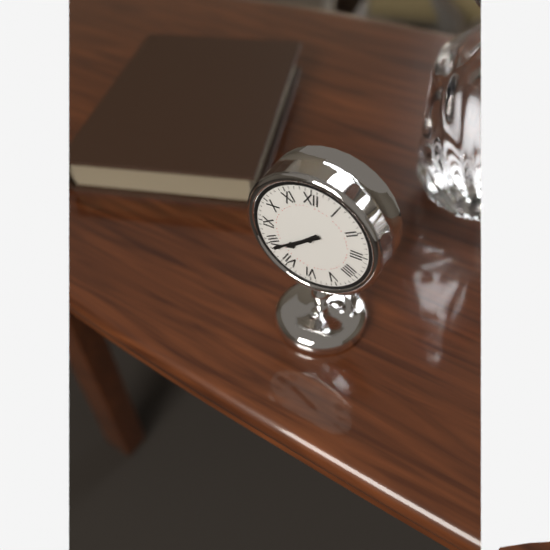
{"hour": 7, "minute": 39}
